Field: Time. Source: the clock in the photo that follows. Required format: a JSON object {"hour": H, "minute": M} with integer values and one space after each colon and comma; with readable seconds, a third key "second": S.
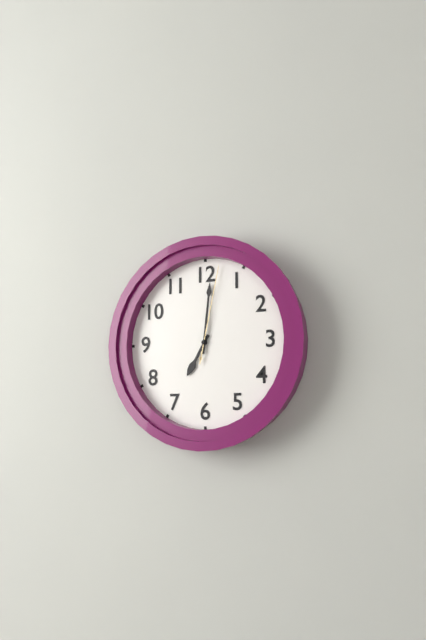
{"hour": 7, "minute": 1, "second": 2}
